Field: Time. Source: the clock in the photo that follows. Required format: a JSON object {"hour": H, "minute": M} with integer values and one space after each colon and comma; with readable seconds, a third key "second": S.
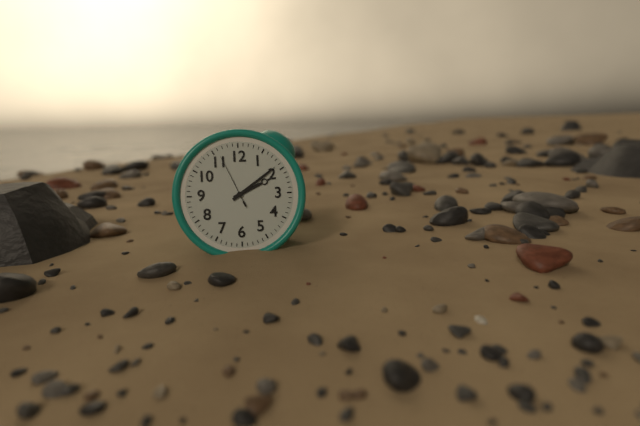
{"hour": 2, "minute": 9, "second": 56}
